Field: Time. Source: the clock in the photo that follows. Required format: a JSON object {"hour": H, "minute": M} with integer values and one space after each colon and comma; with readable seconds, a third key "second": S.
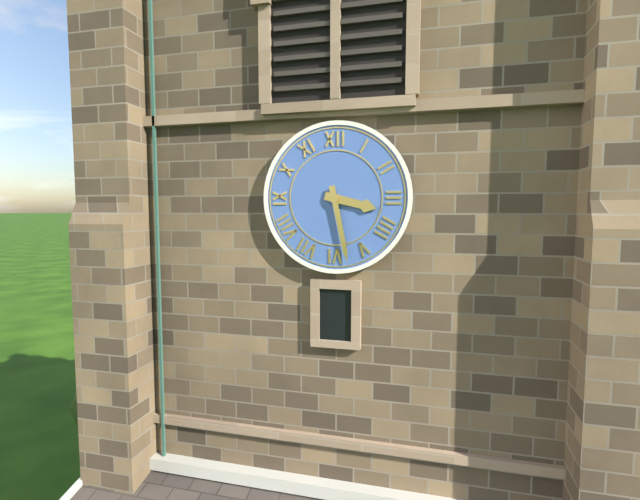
{"hour": 3, "minute": 28}
